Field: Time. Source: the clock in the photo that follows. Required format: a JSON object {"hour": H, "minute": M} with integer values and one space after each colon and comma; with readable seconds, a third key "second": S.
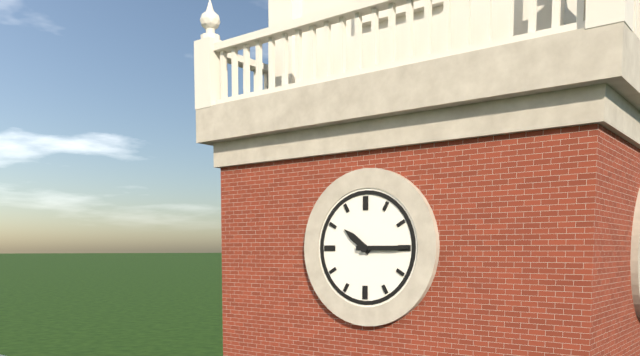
{"hour": 10, "minute": 15}
